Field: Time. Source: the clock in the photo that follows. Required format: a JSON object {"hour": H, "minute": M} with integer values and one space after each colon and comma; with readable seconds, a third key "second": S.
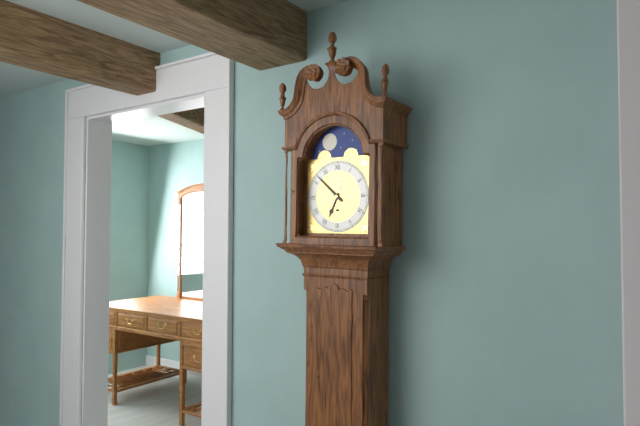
{"hour": 6, "minute": 52}
